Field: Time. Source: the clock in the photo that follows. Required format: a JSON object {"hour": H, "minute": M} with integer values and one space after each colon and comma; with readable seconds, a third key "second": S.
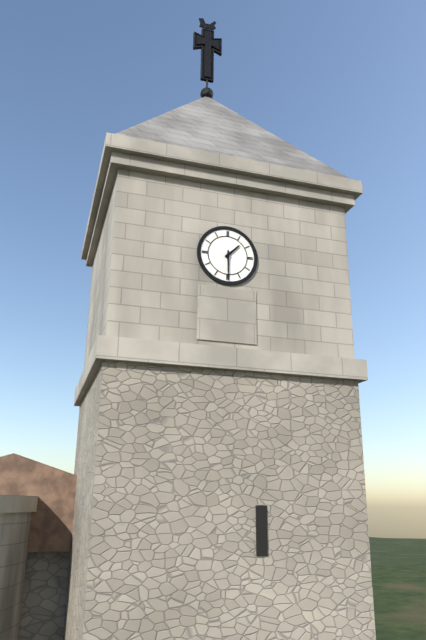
{"hour": 1, "minute": 30}
